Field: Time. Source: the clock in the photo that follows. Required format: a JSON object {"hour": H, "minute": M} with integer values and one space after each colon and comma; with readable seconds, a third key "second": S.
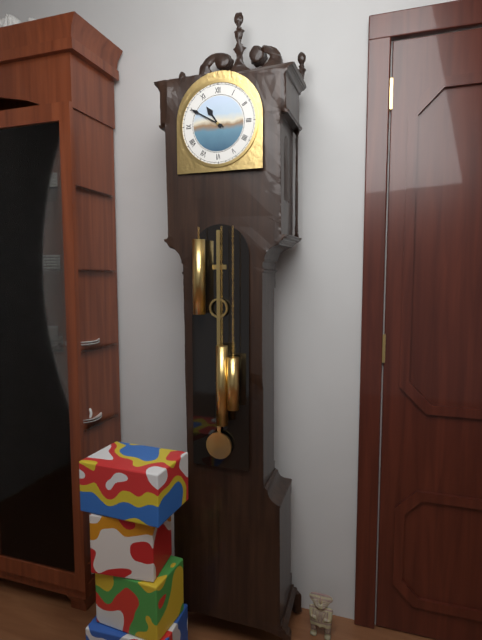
{"hour": 10, "minute": 50}
